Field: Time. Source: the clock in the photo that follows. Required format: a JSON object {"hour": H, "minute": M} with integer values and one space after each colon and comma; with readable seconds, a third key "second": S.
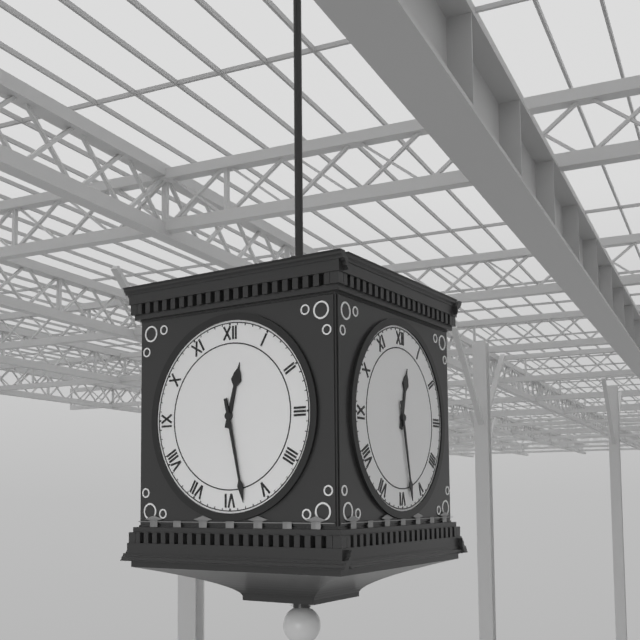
{"hour": 12, "minute": 28}
